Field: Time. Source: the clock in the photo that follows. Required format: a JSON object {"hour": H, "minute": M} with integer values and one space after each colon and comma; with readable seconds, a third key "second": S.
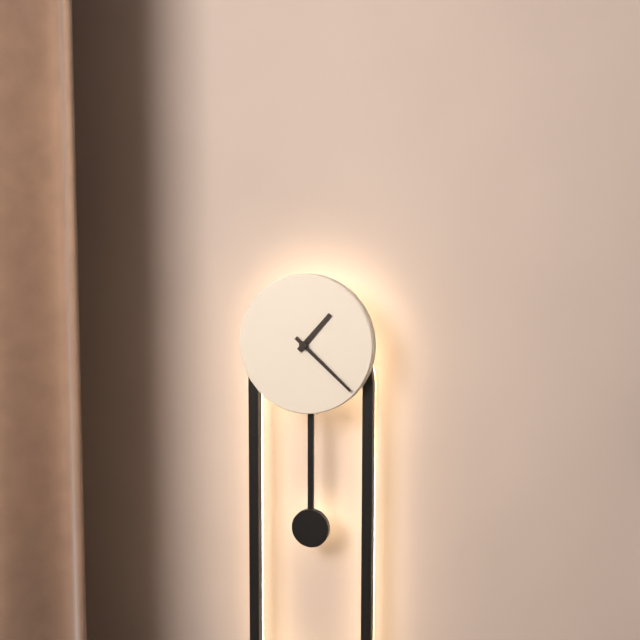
{"hour": 1, "minute": 22}
